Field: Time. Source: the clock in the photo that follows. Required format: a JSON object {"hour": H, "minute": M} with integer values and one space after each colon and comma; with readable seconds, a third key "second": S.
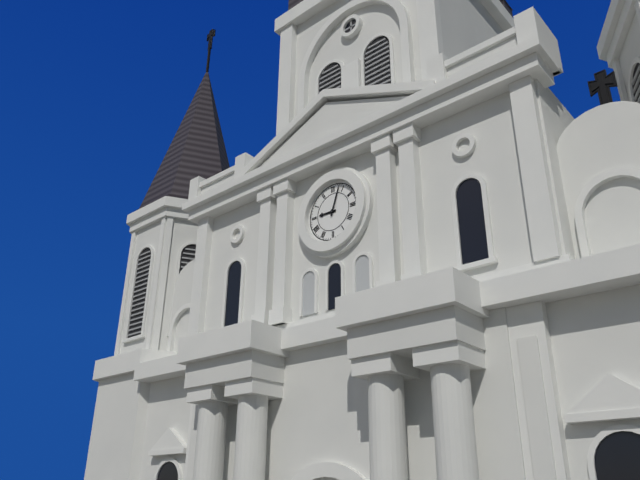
{"hour": 9, "minute": 3}
